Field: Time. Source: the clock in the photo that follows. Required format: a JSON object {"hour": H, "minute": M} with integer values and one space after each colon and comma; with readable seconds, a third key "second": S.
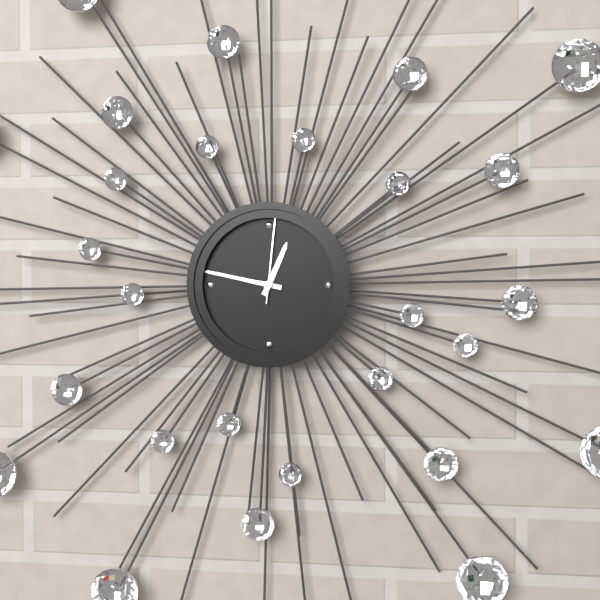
{"hour": 12, "minute": 47, "second": 1}
